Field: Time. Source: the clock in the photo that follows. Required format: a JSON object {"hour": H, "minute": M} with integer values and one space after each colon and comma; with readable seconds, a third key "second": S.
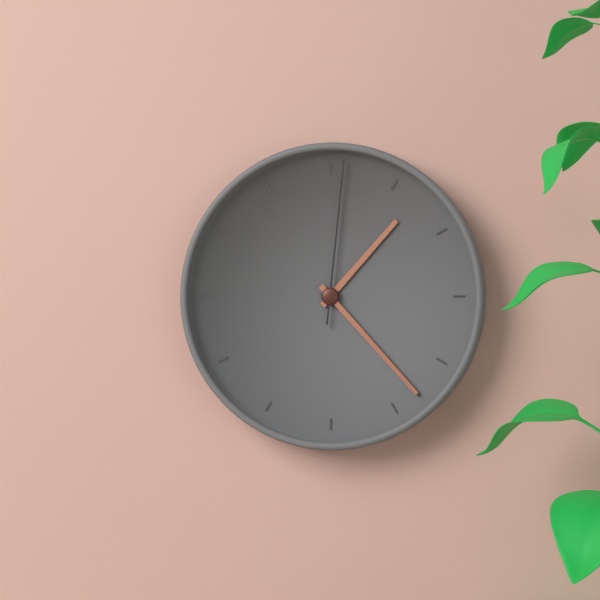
{"hour": 1, "minute": 23, "second": 1}
